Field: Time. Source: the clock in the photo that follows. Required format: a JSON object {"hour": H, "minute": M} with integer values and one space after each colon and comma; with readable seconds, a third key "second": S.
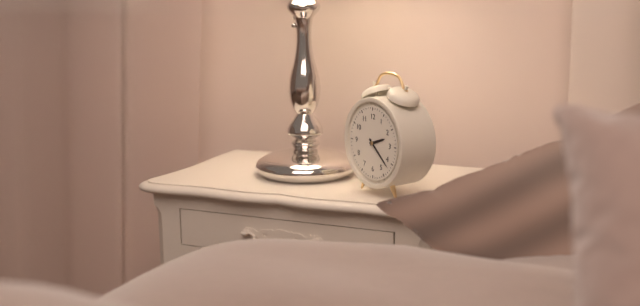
{"hour": 2, "minute": 22}
